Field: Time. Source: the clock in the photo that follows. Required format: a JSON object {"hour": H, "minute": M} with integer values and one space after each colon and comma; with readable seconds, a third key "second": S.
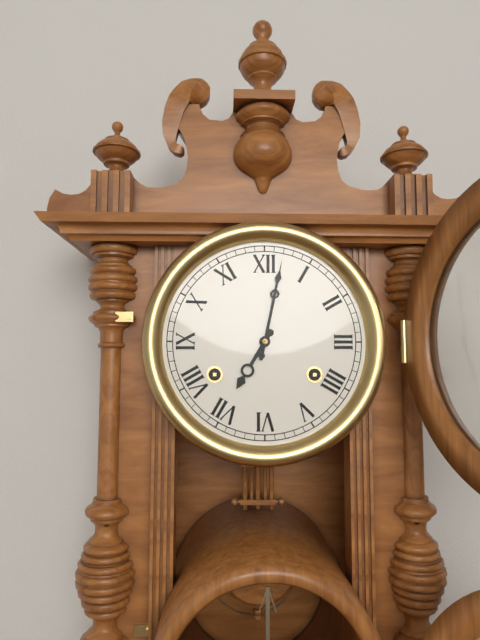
{"hour": 7, "minute": 2}
